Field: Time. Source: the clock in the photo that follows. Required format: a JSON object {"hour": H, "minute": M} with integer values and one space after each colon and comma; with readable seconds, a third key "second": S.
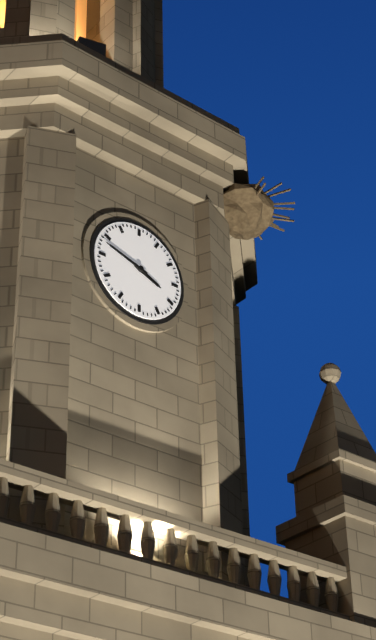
{"hour": 3, "minute": 48}
